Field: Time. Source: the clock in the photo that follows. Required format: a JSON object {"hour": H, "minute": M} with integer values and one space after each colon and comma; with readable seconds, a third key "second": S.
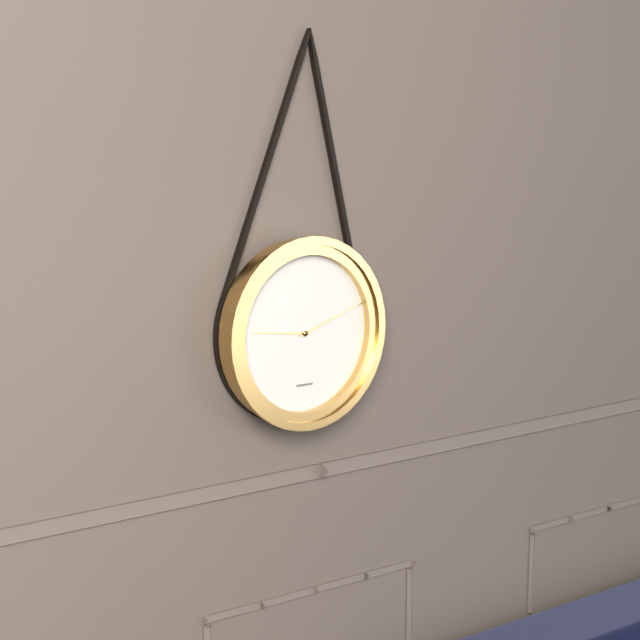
{"hour": 9, "minute": 12}
